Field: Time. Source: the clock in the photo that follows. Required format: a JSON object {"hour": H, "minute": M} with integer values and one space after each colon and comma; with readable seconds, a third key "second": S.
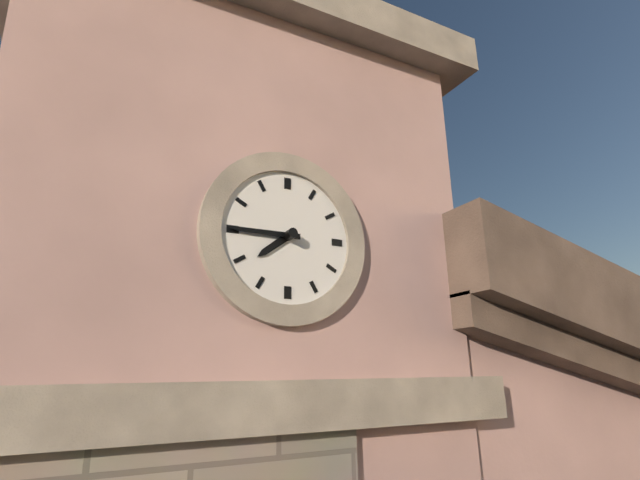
{"hour": 7, "minute": 45}
